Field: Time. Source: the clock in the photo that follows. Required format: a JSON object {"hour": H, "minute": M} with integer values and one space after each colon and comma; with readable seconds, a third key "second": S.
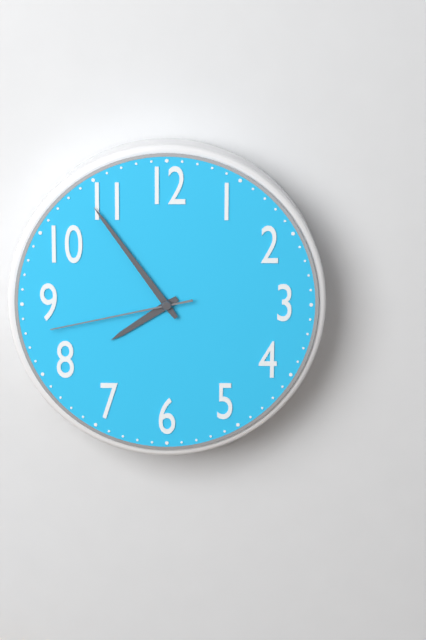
{"hour": 7, "minute": 54, "second": 43}
